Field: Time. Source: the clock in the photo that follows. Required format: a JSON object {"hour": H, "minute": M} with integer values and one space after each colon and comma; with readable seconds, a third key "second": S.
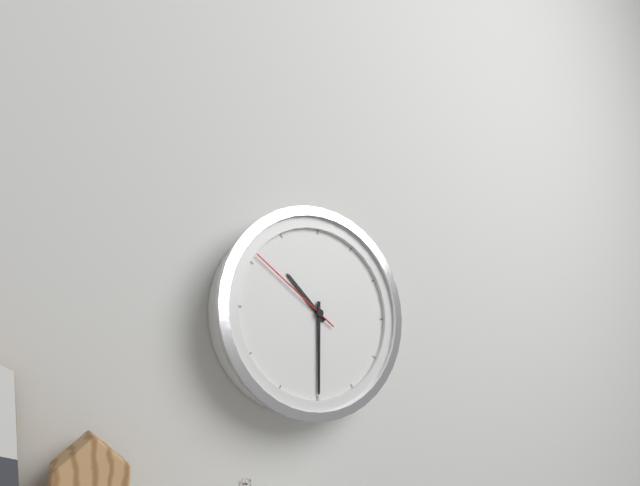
{"hour": 10, "minute": 30, "second": 51}
